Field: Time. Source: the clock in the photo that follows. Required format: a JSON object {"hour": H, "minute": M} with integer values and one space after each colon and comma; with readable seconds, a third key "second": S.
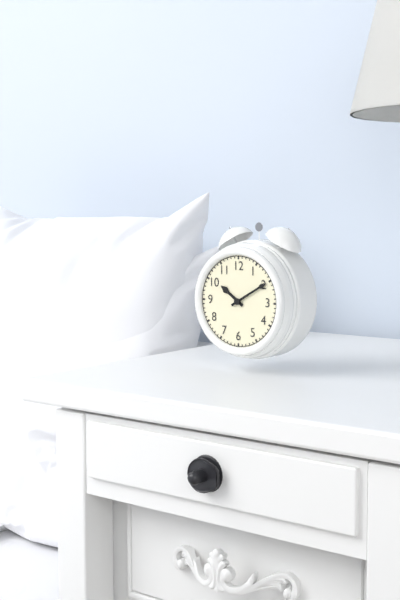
{"hour": 10, "minute": 10}
